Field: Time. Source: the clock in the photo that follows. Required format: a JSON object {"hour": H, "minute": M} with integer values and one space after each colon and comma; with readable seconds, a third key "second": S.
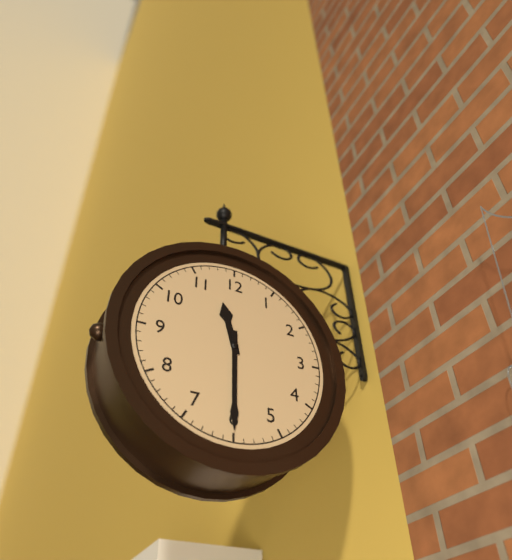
{"hour": 11, "minute": 30}
